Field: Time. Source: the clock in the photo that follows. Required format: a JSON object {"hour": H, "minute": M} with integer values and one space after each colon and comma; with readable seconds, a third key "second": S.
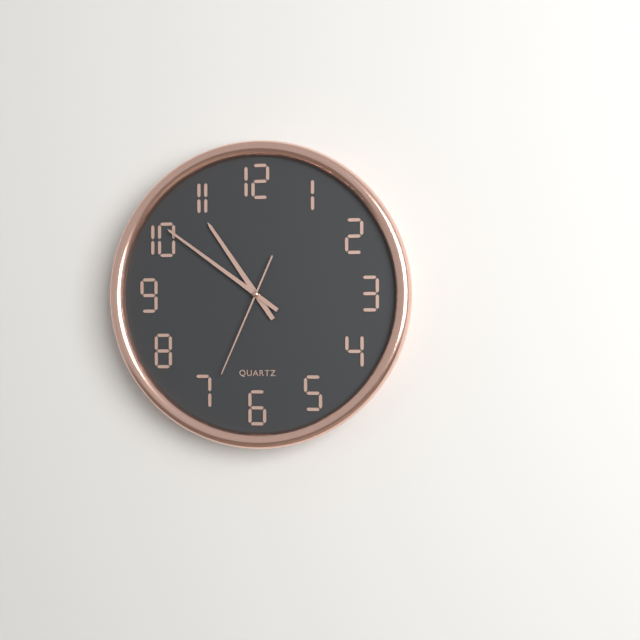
{"hour": 10, "minute": 51, "second": 34}
